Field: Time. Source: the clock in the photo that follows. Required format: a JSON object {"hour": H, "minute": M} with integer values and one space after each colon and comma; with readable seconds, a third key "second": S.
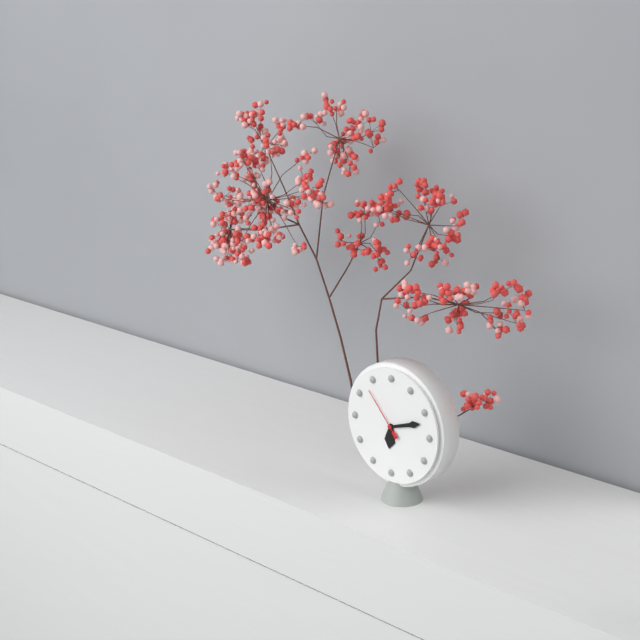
{"hour": 6, "minute": 12, "second": 53}
